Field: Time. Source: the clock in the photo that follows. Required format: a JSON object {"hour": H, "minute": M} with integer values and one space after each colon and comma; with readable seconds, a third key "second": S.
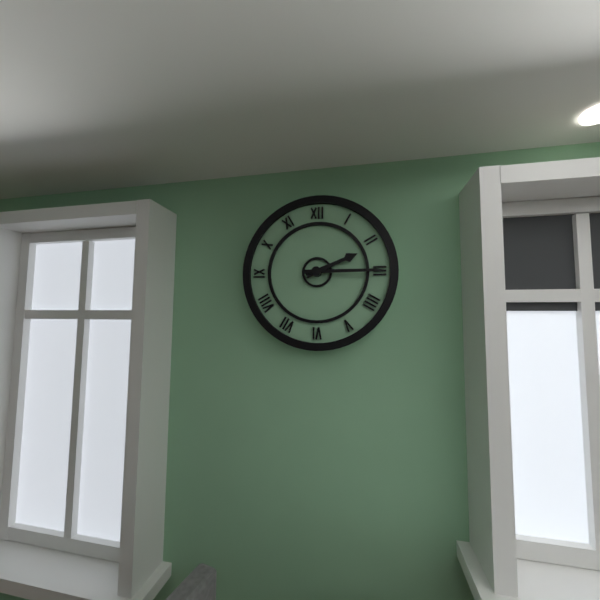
{"hour": 2, "minute": 15}
